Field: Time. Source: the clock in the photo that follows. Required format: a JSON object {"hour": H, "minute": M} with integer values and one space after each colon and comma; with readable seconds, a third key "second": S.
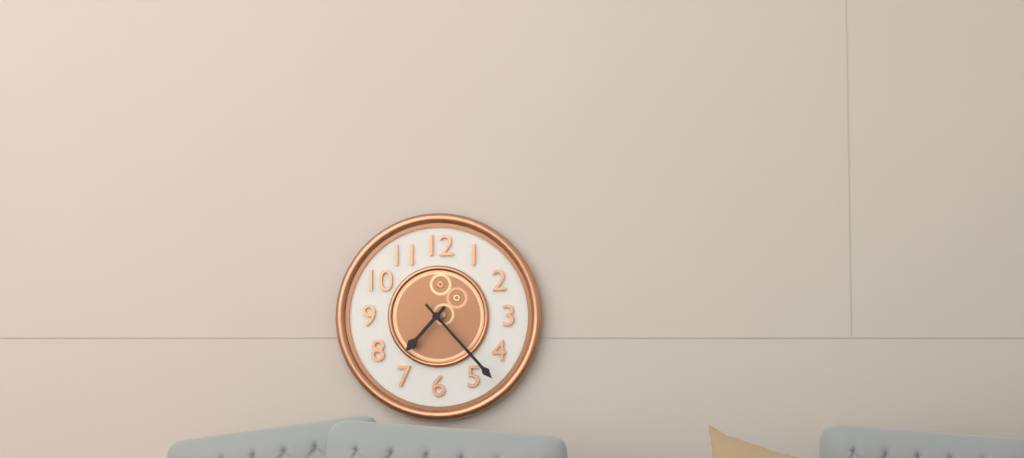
{"hour": 7, "minute": 23}
